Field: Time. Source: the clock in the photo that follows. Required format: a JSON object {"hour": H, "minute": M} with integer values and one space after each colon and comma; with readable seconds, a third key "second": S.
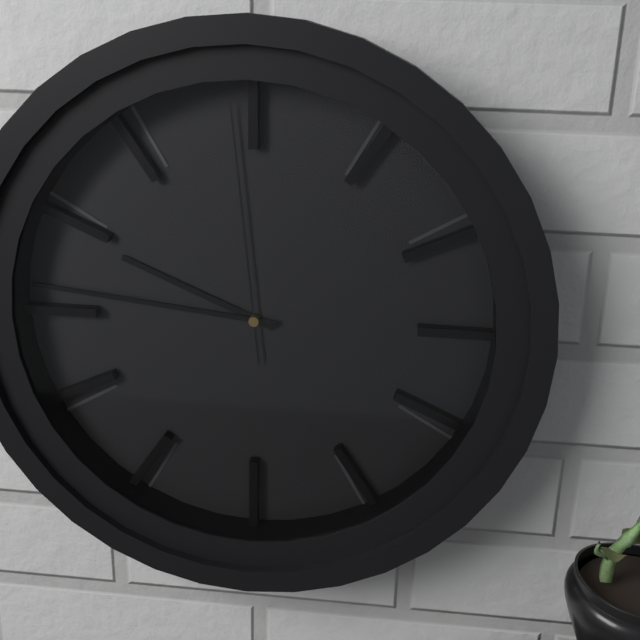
{"hour": 9, "minute": 46, "second": 59}
